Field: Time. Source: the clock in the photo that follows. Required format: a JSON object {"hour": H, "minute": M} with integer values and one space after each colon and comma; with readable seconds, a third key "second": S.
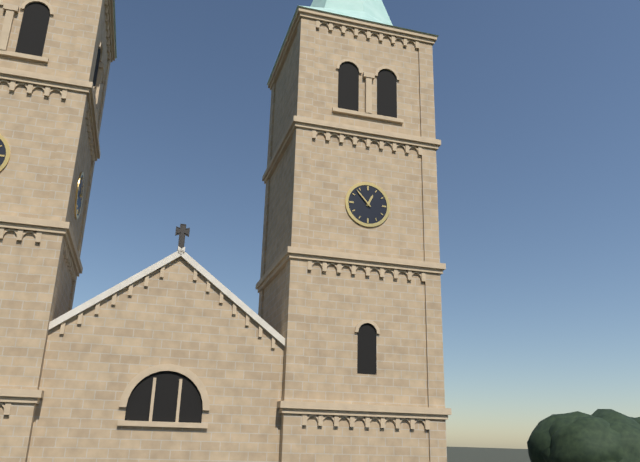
{"hour": 12, "minute": 53}
